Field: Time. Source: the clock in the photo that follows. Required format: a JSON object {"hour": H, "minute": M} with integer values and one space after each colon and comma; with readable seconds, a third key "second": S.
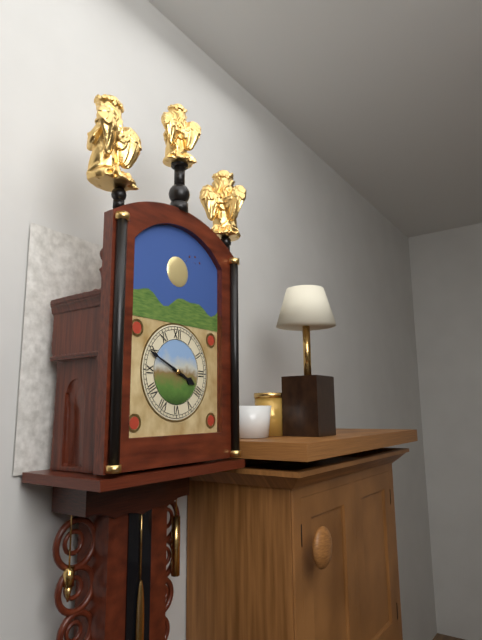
{"hour": 3, "minute": 49}
